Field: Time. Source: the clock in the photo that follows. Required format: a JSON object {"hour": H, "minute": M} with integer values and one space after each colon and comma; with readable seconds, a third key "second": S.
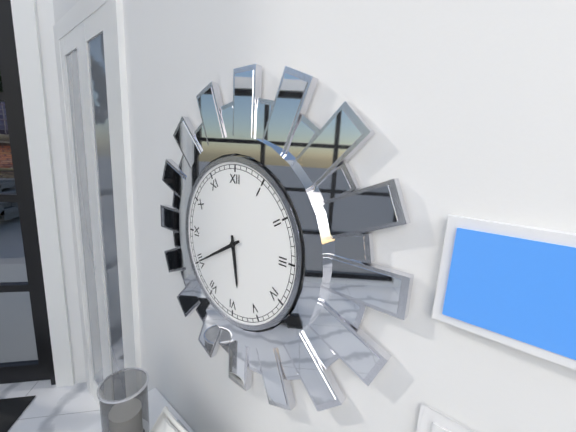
{"hour": 5, "minute": 40}
